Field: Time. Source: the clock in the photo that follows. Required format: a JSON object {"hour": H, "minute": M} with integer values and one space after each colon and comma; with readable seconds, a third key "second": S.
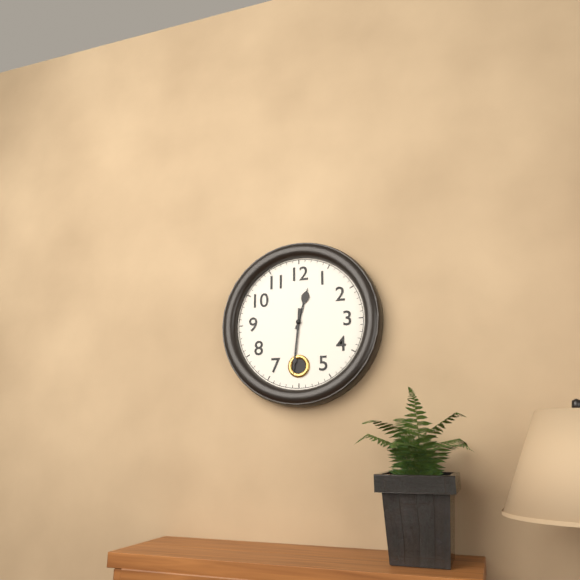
{"hour": 12, "minute": 31}
